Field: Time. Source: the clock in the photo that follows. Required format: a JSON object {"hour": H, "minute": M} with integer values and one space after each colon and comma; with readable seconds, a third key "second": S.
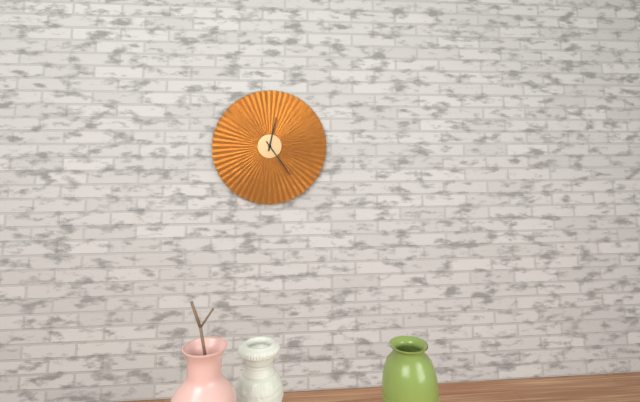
{"hour": 12, "minute": 24}
